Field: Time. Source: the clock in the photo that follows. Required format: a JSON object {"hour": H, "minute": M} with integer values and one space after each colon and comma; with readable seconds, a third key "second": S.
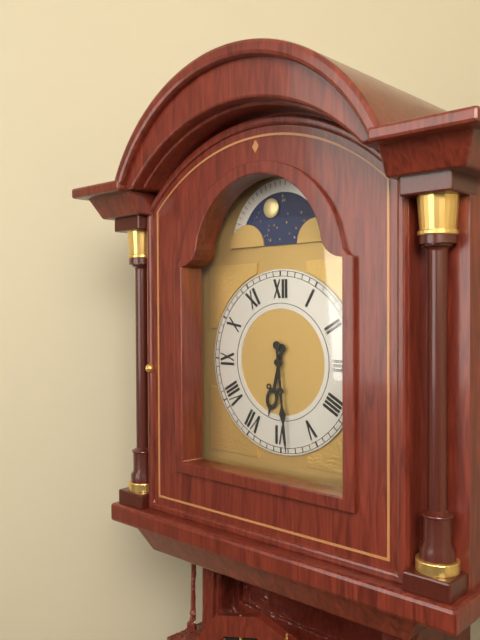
{"hour": 6, "minute": 29}
